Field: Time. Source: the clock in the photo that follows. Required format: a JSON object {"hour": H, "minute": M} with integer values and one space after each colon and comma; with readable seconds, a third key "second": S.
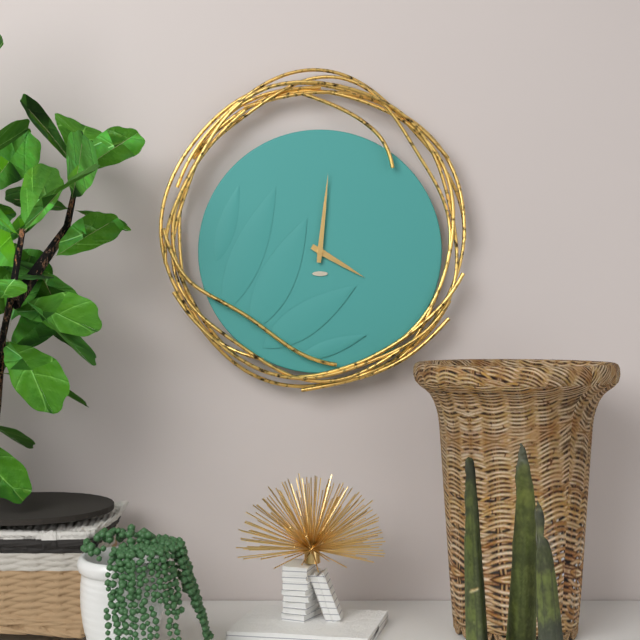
{"hour": 4, "minute": 1}
